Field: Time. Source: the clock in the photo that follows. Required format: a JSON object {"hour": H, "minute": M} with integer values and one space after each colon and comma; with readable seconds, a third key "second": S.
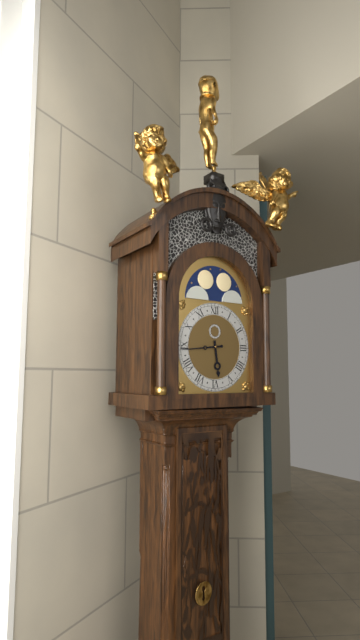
{"hour": 5, "minute": 44}
